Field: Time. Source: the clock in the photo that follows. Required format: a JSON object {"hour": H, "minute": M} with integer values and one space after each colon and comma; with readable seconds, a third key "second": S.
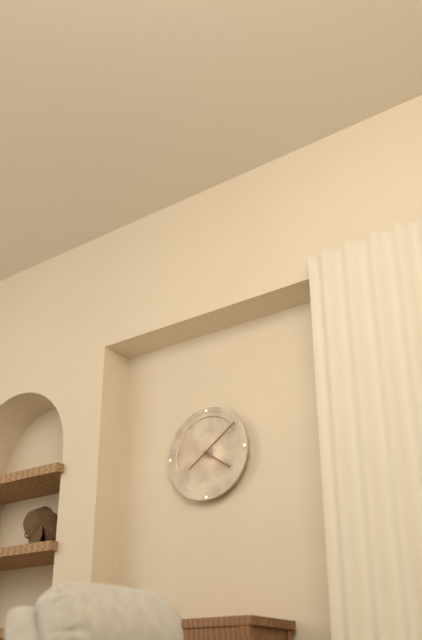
{"hour": 4, "minute": 9}
